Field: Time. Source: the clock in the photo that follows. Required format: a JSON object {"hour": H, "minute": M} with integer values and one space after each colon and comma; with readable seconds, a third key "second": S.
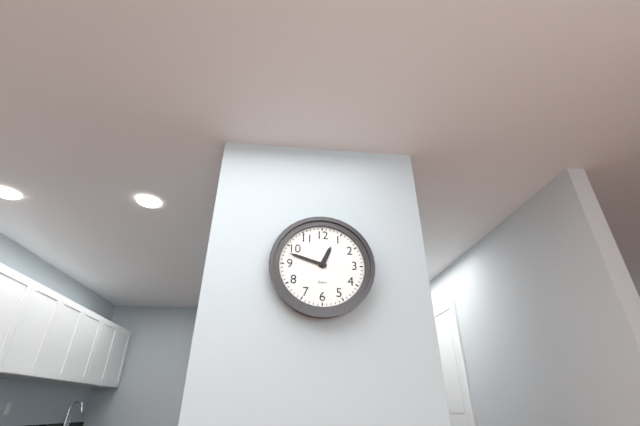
{"hour": 12, "minute": 48}
